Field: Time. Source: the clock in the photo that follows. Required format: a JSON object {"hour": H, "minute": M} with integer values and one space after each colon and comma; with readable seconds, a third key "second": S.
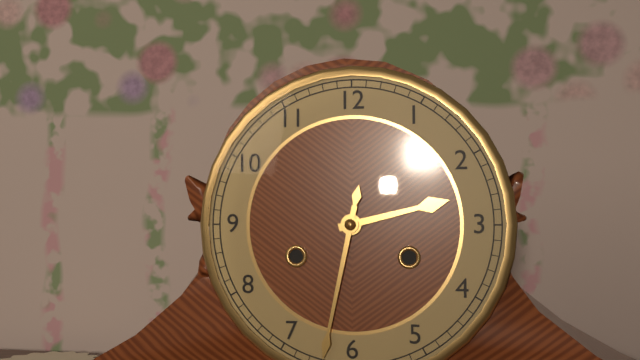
{"hour": 2, "minute": 32}
